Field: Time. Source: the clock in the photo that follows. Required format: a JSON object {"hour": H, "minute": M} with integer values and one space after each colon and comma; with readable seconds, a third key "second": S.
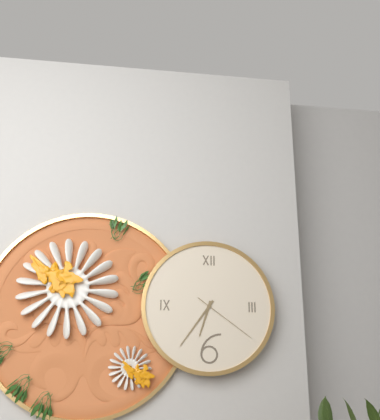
{"hour": 6, "minute": 36, "second": 21}
